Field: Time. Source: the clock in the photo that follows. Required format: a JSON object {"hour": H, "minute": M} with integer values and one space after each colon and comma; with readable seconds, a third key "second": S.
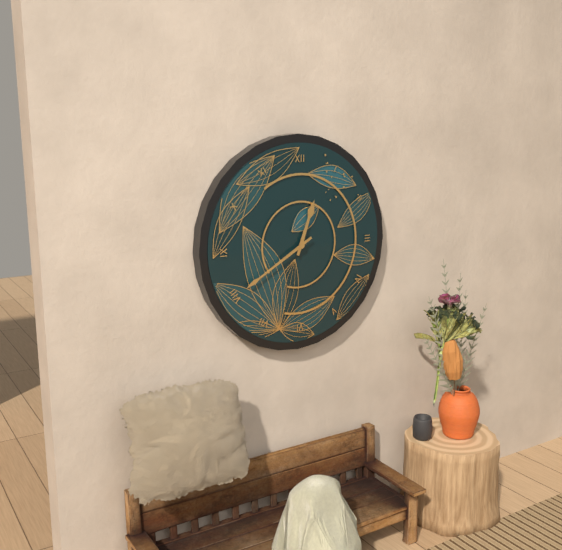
{"hour": 12, "minute": 40}
